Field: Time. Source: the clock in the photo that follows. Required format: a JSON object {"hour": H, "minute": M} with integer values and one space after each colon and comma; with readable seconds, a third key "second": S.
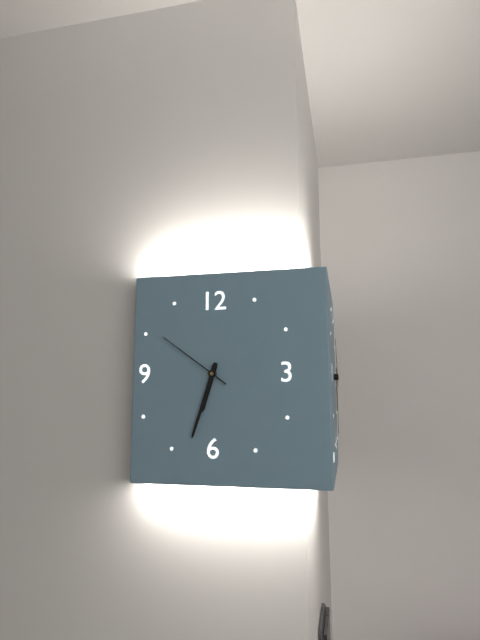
{"hour": 6, "minute": 33, "second": 51}
